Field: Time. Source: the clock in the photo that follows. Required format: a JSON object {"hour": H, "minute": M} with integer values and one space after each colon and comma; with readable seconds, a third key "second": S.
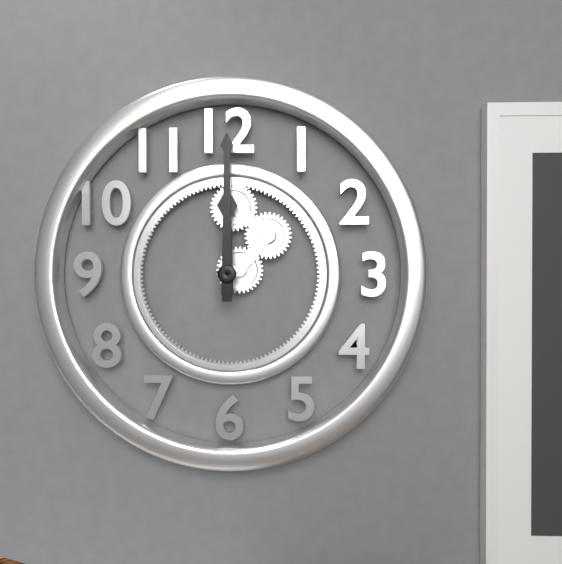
{"hour": 12, "minute": 0}
